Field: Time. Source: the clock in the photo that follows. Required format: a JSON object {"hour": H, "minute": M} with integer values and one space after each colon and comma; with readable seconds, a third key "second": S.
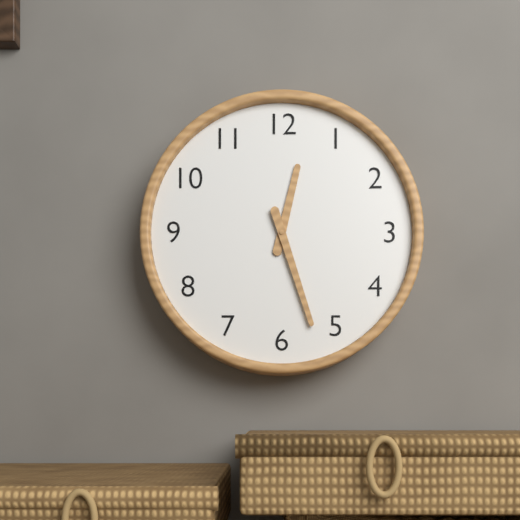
{"hour": 12, "minute": 27}
